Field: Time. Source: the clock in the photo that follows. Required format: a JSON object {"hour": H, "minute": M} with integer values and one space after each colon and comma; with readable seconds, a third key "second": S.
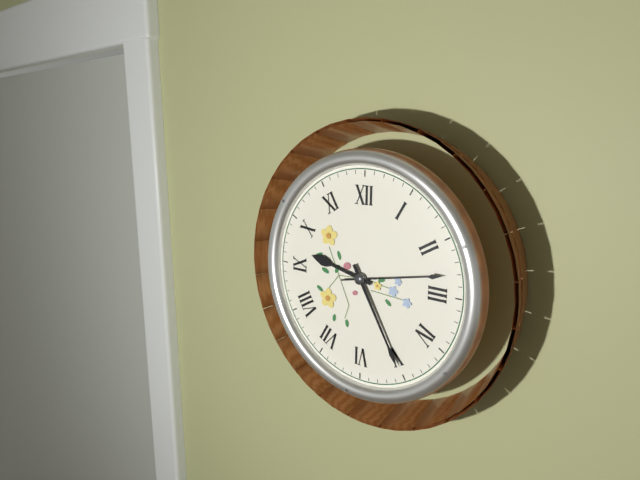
{"hour": 9, "minute": 25, "second": 13}
